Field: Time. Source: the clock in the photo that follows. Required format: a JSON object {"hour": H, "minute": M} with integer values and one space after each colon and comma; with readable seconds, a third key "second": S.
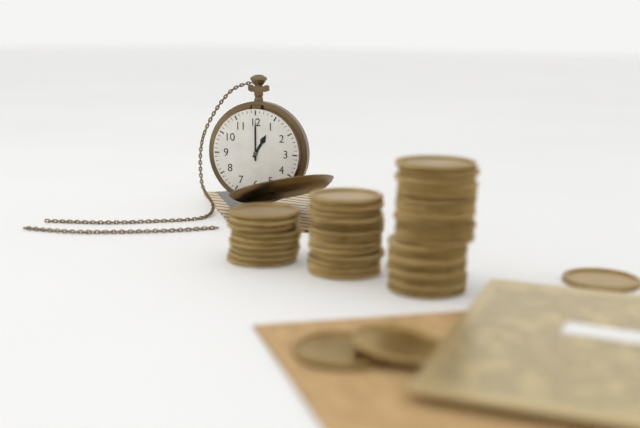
{"hour": 1, "minute": 0}
